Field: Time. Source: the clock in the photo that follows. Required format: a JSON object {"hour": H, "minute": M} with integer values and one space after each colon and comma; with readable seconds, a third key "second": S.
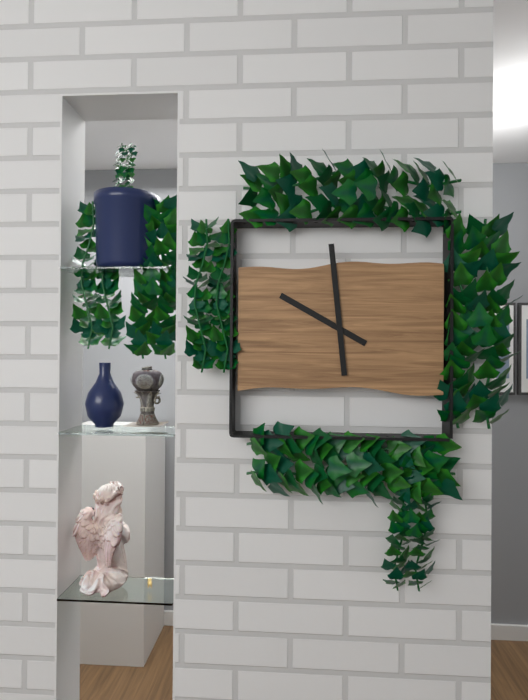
{"hour": 9, "minute": 59}
